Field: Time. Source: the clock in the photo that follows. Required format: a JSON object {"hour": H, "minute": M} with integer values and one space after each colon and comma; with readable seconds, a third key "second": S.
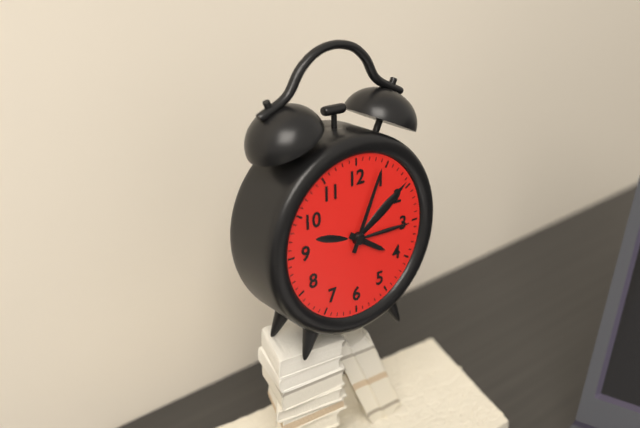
{"hour": 4, "minute": 4}
